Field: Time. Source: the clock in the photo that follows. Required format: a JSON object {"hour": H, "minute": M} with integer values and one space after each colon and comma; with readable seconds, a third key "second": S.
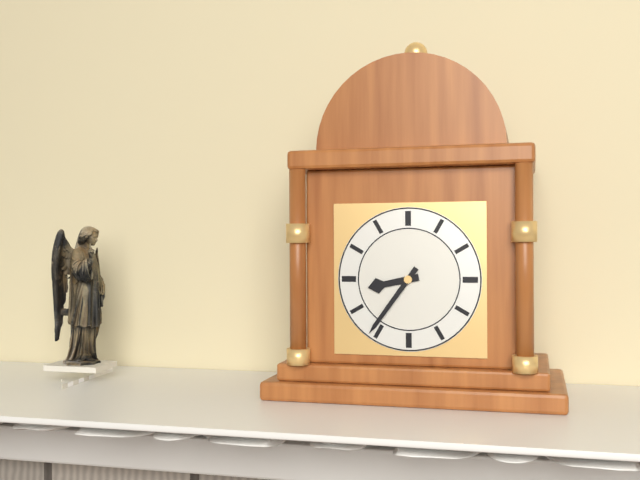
{"hour": 8, "minute": 36}
